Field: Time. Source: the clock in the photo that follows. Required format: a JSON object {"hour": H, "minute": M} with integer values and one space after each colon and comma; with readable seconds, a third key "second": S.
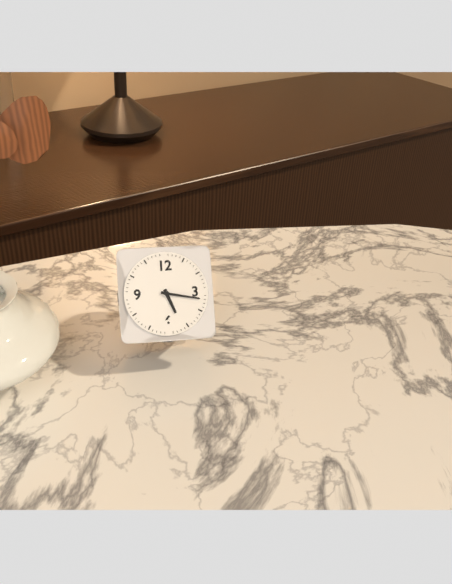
{"hour": 5, "minute": 17}
